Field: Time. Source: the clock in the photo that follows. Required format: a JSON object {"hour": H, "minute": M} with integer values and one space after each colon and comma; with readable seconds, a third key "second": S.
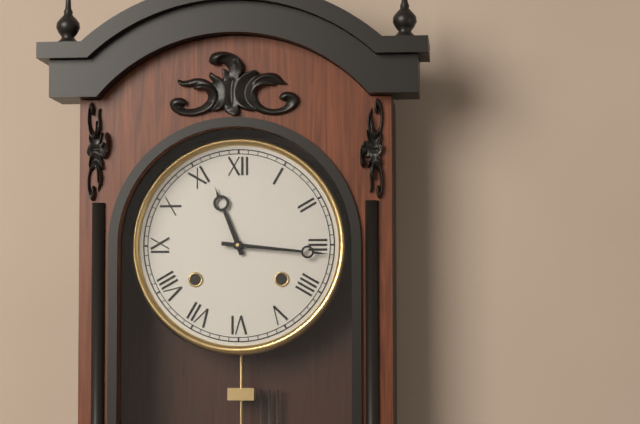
{"hour": 11, "minute": 16}
